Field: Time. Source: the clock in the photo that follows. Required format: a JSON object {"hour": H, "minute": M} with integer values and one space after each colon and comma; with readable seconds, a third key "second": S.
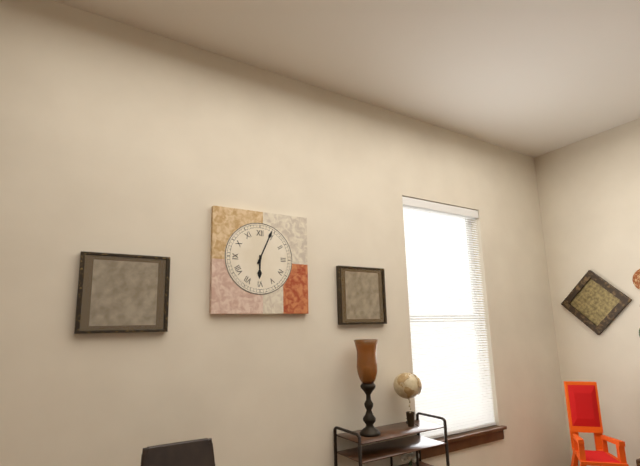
{"hour": 6, "minute": 4}
